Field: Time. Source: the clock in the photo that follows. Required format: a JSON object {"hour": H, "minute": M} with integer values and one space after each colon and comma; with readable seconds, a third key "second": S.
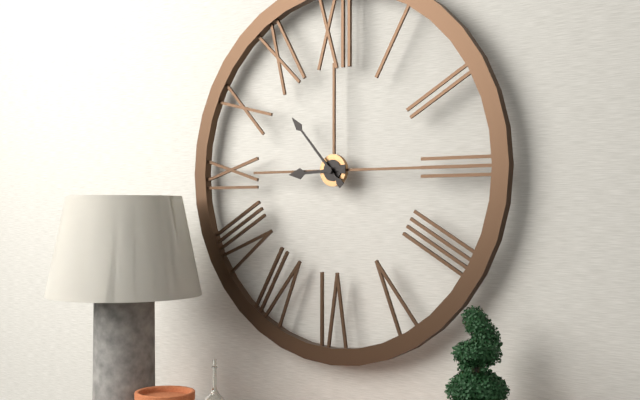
{"hour": 8, "minute": 53}
